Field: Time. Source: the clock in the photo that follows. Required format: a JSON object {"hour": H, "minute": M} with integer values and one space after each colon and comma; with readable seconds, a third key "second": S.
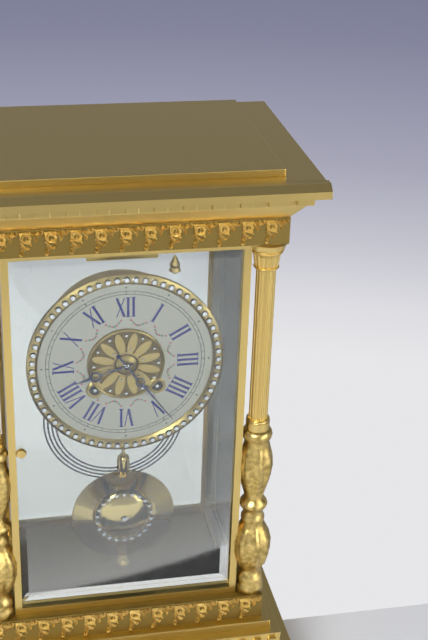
{"hour": 8, "minute": 24}
